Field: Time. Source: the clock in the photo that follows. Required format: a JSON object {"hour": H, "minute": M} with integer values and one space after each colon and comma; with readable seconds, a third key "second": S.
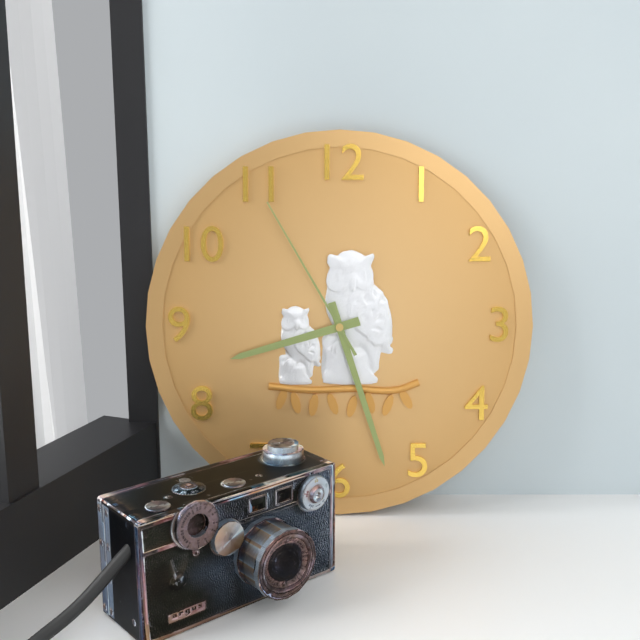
{"hour": 8, "minute": 27, "second": 55}
